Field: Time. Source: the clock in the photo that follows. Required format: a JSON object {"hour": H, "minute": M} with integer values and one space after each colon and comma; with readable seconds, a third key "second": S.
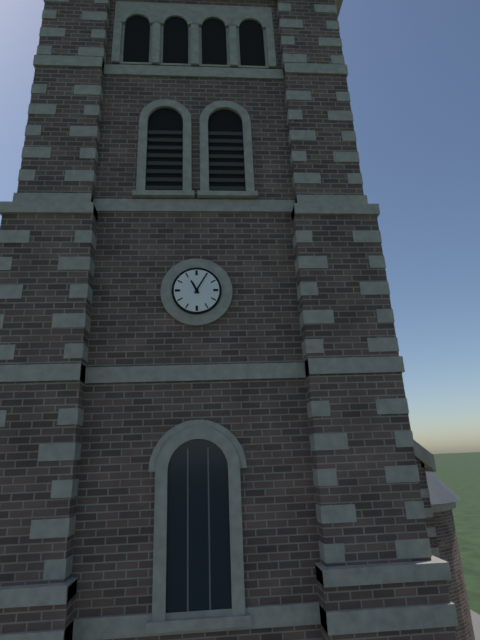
{"hour": 11, "minute": 5}
